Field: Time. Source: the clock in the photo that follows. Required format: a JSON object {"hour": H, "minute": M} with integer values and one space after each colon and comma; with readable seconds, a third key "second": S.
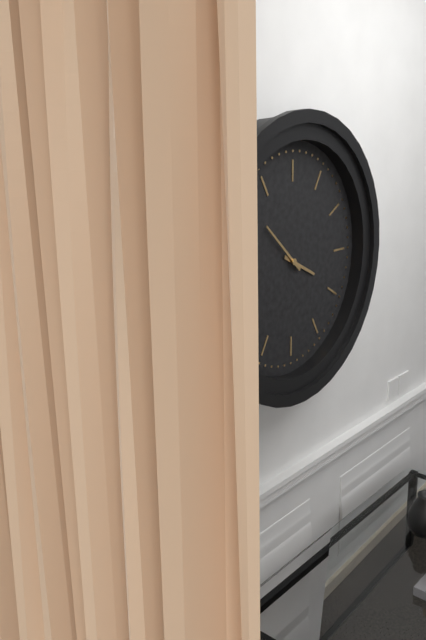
{"hour": 3, "minute": 52}
